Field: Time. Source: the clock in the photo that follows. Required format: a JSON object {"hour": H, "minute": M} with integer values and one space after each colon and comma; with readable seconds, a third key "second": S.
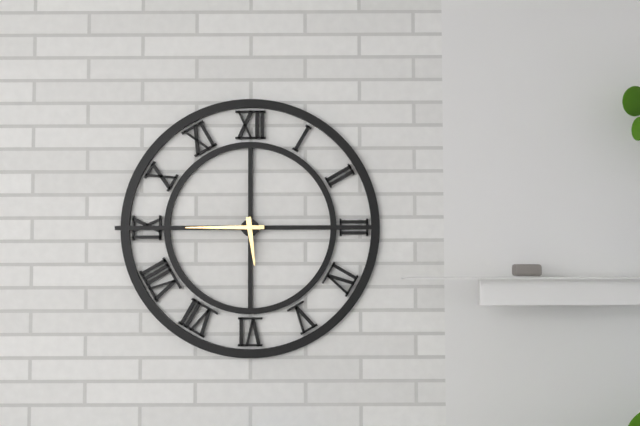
{"hour": 5, "minute": 45}
